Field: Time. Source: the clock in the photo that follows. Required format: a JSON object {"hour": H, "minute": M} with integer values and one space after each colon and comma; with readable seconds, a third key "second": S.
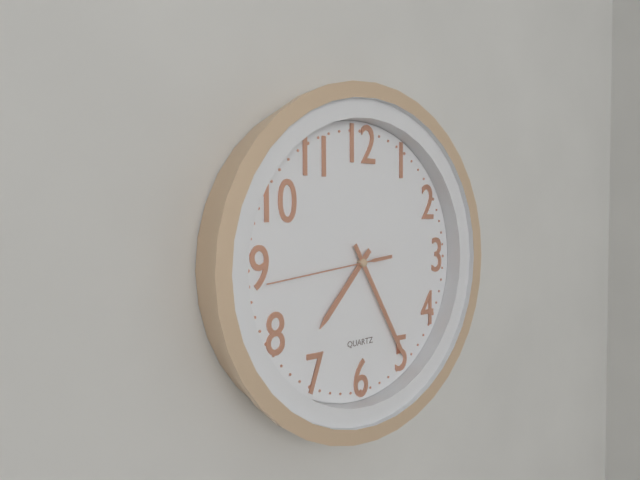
{"hour": 7, "minute": 25, "second": 44}
